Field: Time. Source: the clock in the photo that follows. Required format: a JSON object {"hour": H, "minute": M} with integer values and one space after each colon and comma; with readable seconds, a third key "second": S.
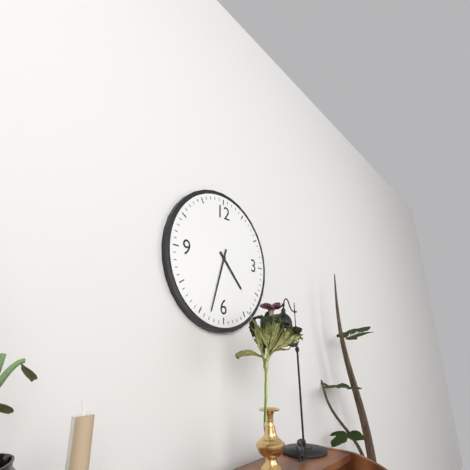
{"hour": 4, "minute": 33}
